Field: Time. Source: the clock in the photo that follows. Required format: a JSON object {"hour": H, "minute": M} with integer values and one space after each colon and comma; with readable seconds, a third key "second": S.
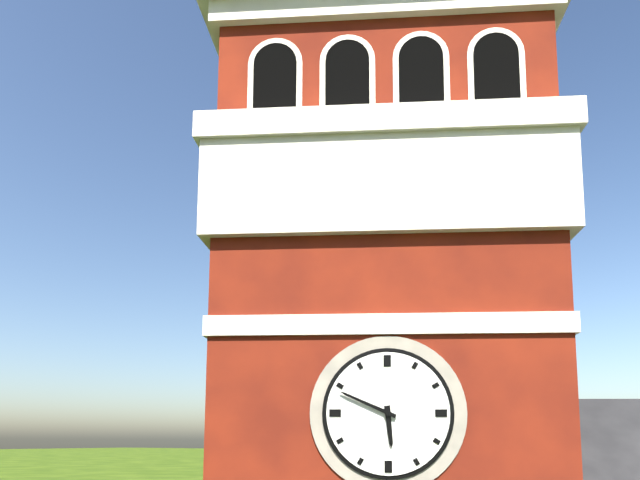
{"hour": 5, "minute": 49}
